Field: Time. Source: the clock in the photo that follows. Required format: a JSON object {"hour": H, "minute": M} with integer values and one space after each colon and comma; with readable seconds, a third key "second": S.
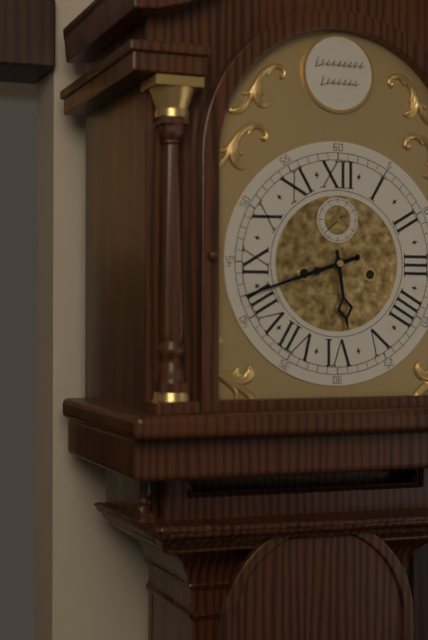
{"hour": 5, "minute": 42}
